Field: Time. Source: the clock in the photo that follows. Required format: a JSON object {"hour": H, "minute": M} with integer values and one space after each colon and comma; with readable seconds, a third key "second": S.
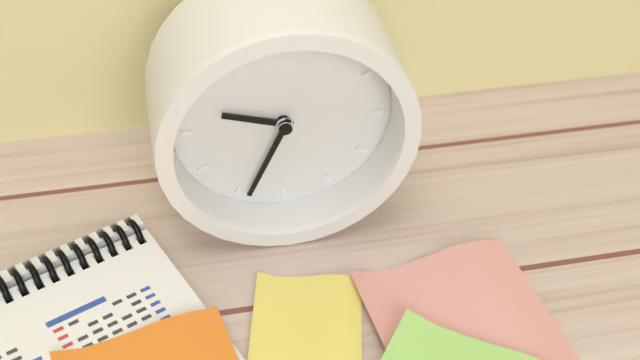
{"hour": 9, "minute": 34}
